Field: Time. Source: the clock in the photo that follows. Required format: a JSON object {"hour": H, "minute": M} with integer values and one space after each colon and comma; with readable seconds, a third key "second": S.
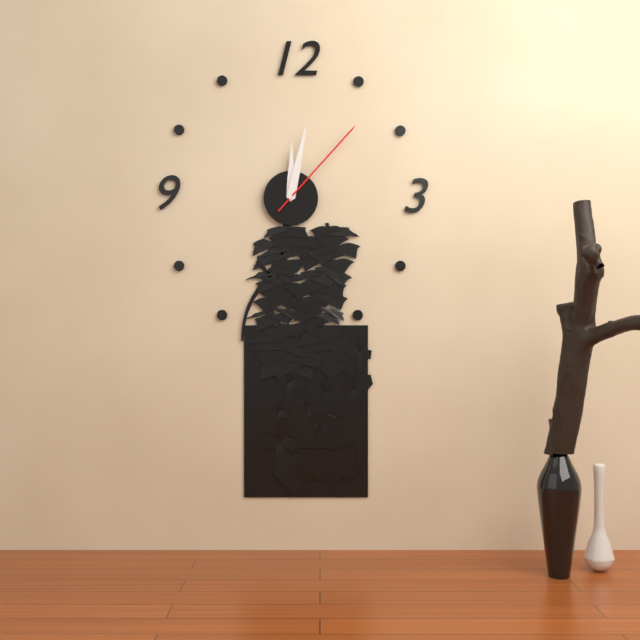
{"hour": 12, "minute": 2, "second": 7}
